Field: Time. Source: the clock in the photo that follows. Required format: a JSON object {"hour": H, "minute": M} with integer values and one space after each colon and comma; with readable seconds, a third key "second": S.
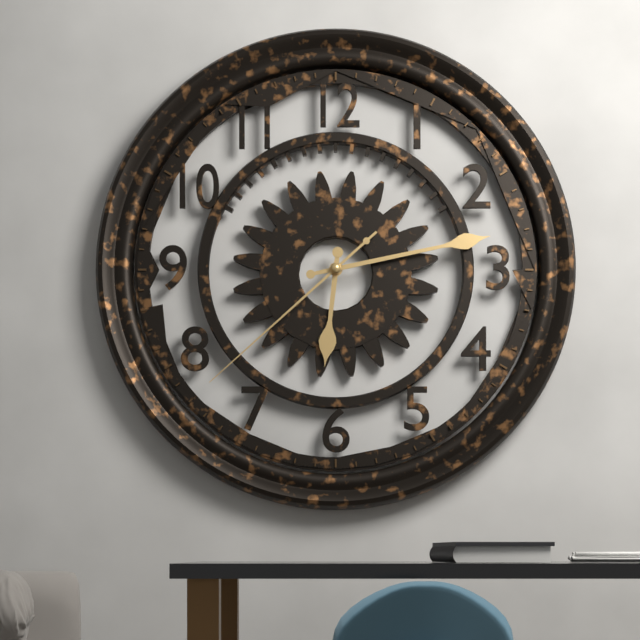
{"hour": 6, "minute": 13, "second": 38}
